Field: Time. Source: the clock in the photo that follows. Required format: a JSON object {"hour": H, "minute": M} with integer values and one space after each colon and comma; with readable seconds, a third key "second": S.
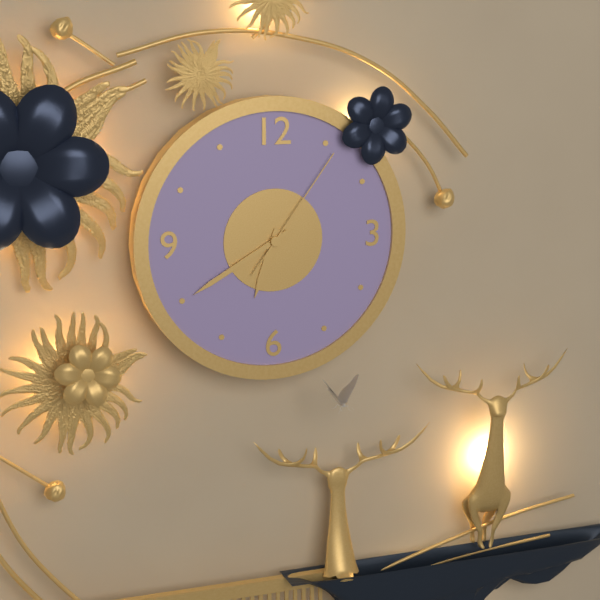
{"hour": 6, "minute": 40, "second": 6}
